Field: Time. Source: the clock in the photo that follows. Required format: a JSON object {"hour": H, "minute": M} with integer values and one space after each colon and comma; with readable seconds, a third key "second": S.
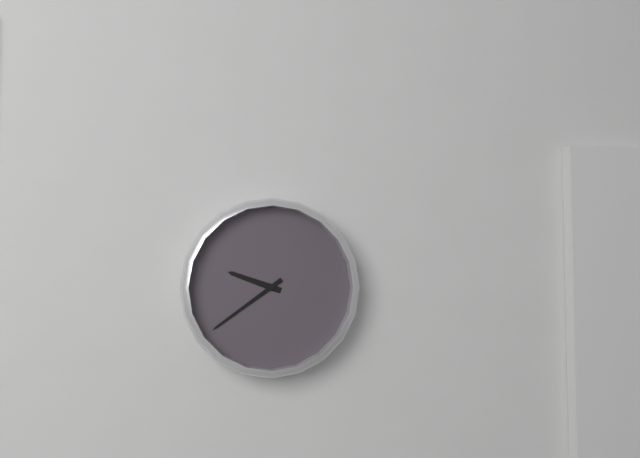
{"hour": 9, "minute": 39}
